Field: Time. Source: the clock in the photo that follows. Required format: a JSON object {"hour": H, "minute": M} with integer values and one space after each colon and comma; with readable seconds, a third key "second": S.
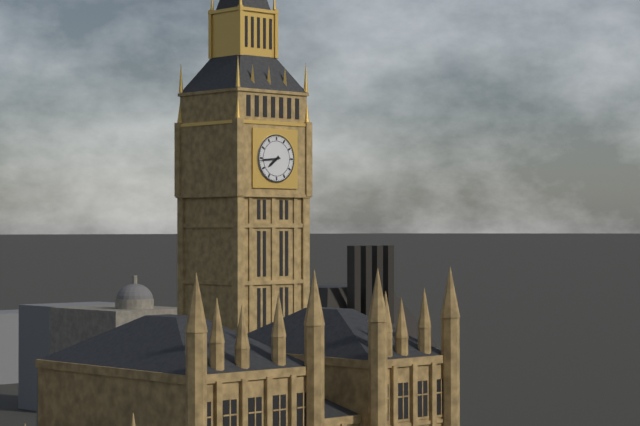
{"hour": 7, "minute": 44}
